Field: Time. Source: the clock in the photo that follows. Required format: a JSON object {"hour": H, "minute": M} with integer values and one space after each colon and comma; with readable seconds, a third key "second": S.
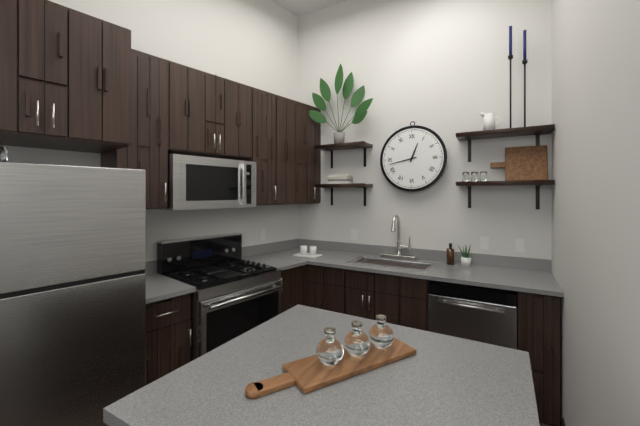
{"hour": 12, "minute": 43}
